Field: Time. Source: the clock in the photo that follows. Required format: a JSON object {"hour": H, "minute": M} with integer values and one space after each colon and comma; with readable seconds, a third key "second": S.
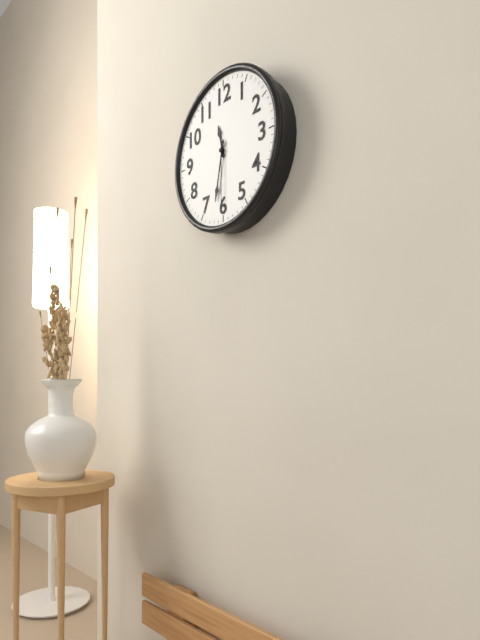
{"hour": 11, "minute": 32, "second": 30}
